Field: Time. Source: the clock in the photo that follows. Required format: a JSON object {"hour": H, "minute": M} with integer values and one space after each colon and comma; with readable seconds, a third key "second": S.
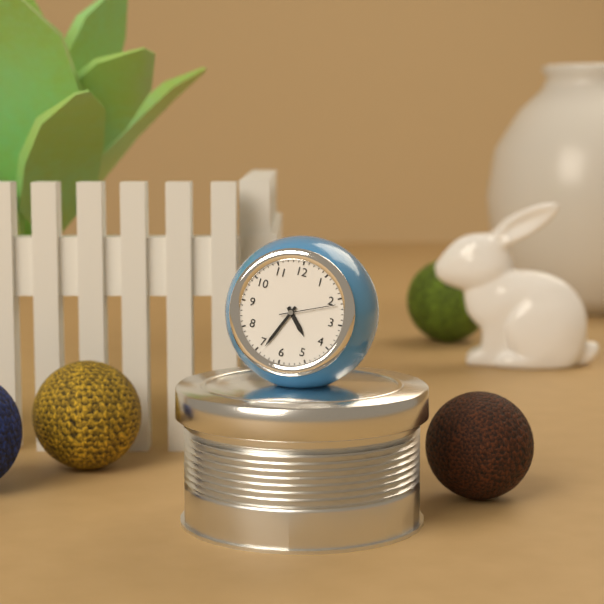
{"hour": 4, "minute": 34}
